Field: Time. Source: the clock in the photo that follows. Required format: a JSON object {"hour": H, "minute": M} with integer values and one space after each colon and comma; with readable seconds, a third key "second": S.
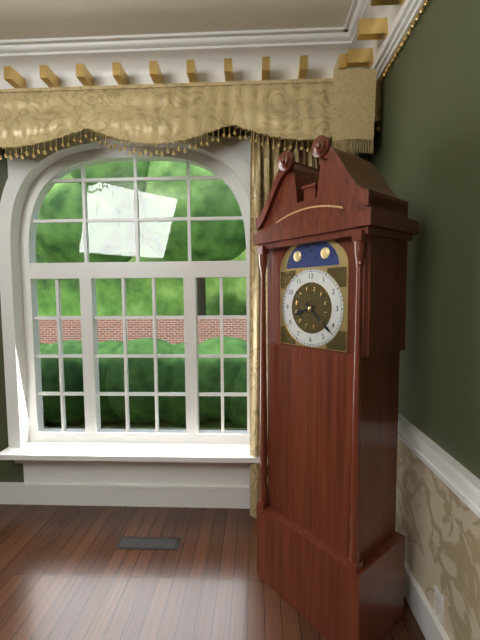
{"hour": 8, "minute": 22}
